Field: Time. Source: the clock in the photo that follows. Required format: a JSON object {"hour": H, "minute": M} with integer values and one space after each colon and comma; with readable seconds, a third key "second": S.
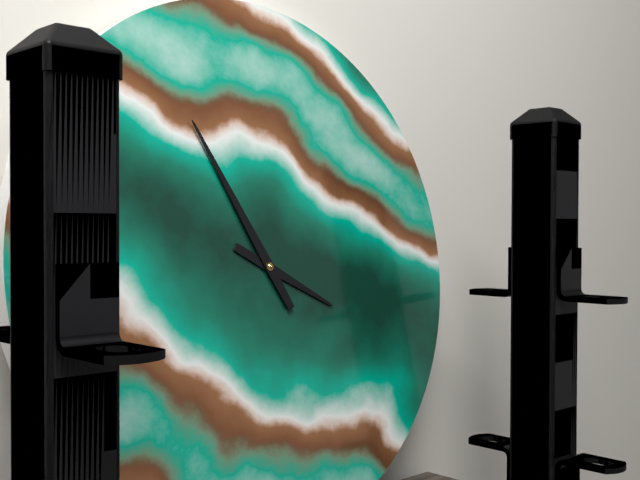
{"hour": 3, "minute": 55}
